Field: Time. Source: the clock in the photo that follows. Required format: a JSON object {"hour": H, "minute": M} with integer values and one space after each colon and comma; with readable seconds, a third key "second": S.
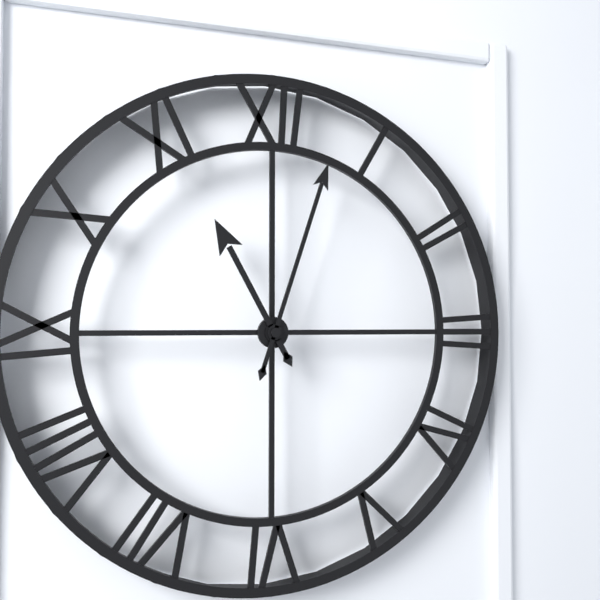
{"hour": 11, "minute": 3}
